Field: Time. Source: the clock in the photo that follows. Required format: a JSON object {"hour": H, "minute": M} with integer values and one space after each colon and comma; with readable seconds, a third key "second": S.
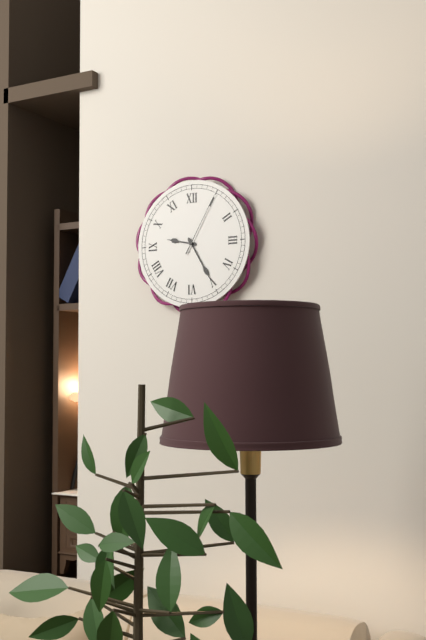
{"hour": 9, "minute": 25, "second": 5}
